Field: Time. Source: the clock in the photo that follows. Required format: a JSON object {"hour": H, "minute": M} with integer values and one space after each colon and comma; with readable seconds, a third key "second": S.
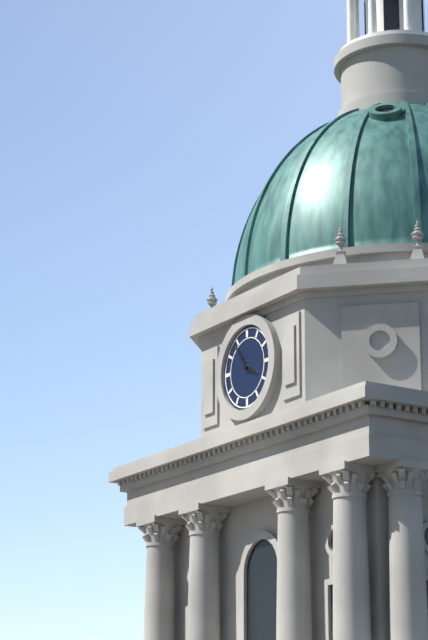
{"hour": 3, "minute": 54}
